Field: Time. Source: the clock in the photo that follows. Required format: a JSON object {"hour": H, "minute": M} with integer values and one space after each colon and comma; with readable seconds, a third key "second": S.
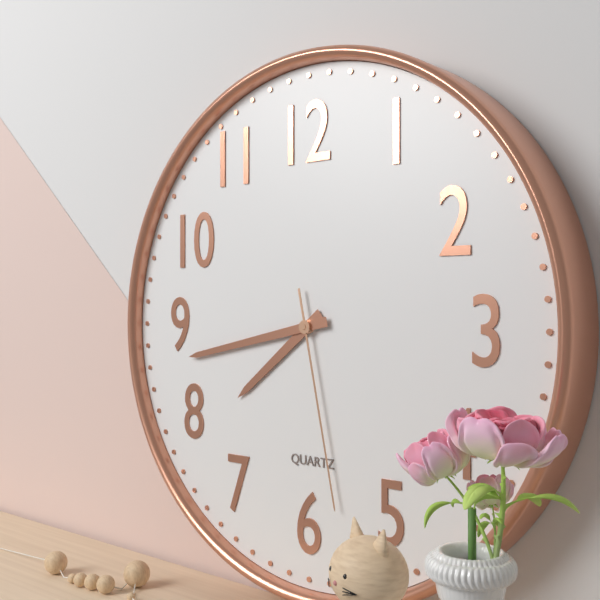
{"hour": 7, "minute": 43, "second": 28}
